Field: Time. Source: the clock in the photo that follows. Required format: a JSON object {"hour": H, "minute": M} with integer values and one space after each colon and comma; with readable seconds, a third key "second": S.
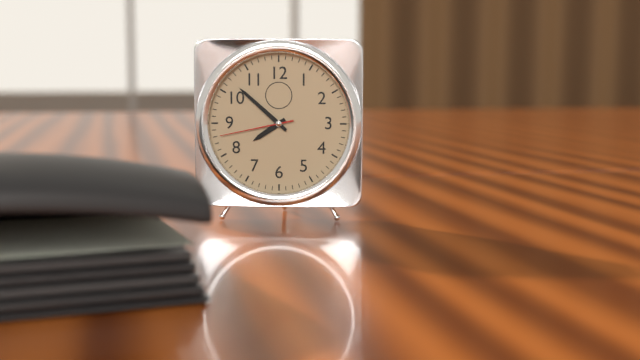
{"hour": 7, "minute": 52, "second": 43}
